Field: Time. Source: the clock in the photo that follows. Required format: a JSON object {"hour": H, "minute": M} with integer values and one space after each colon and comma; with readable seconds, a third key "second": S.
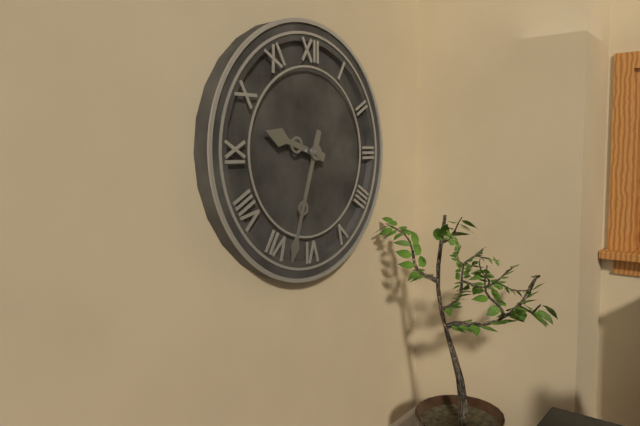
{"hour": 9, "minute": 33}
